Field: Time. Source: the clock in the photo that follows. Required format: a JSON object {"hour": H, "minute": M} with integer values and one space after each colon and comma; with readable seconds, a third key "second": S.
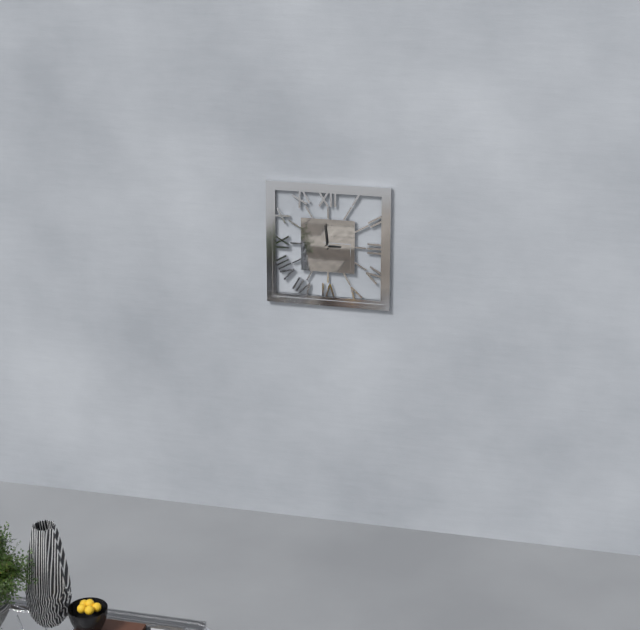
{"hour": 2, "minute": 59}
